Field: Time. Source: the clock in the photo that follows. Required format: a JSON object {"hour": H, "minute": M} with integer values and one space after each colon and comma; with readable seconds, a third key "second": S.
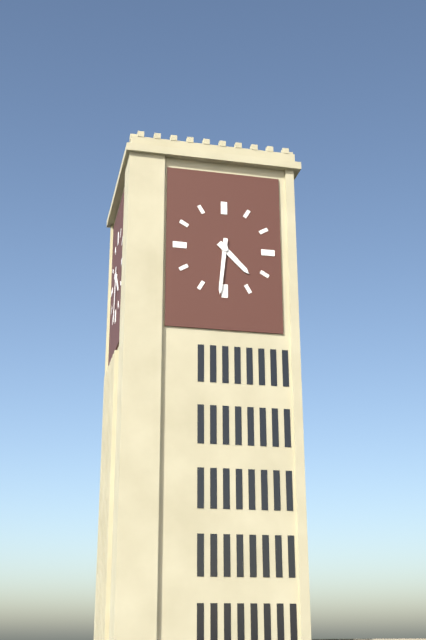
{"hour": 4, "minute": 31}
